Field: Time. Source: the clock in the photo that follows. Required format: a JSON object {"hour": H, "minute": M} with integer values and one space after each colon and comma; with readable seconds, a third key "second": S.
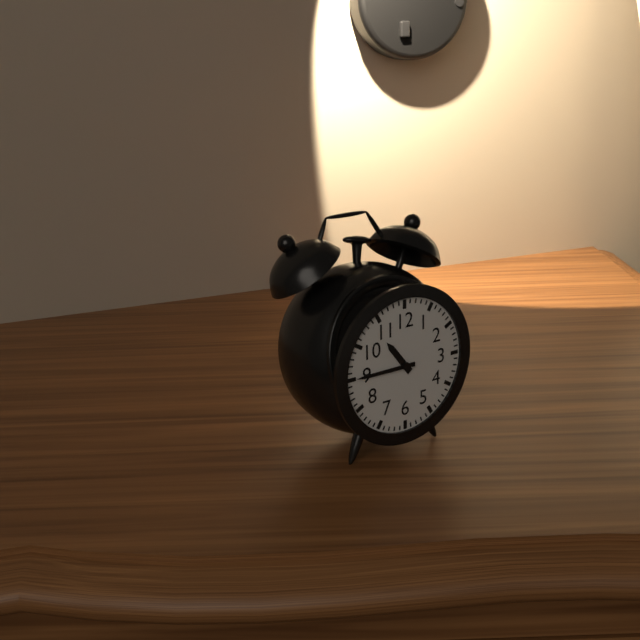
{"hour": 10, "minute": 45}
